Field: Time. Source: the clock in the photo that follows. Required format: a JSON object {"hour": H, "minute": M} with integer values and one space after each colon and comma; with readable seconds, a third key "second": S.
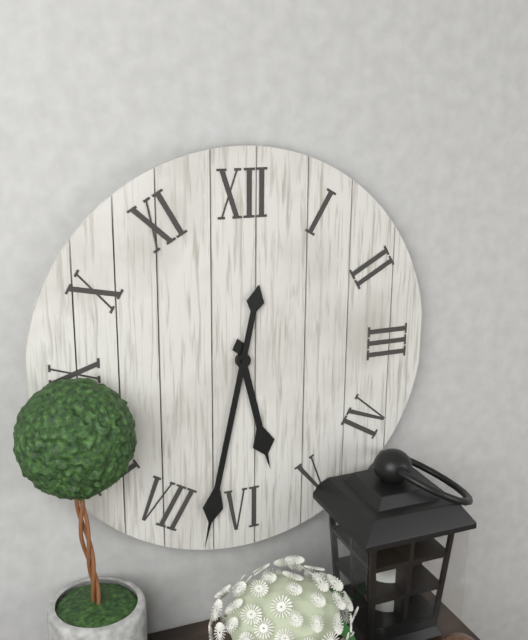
{"hour": 5, "minute": 32}
